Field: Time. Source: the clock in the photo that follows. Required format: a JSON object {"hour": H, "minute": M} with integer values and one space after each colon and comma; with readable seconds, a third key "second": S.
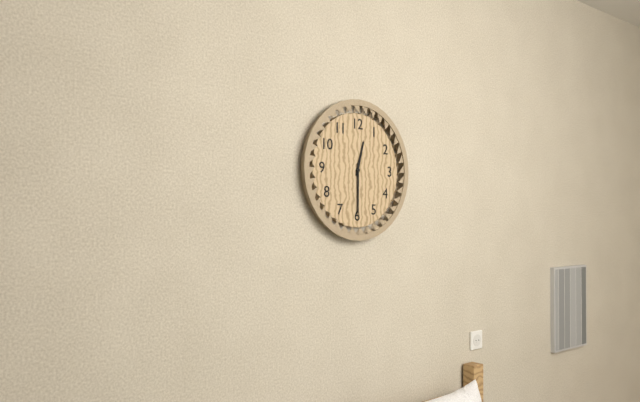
{"hour": 12, "minute": 30}
